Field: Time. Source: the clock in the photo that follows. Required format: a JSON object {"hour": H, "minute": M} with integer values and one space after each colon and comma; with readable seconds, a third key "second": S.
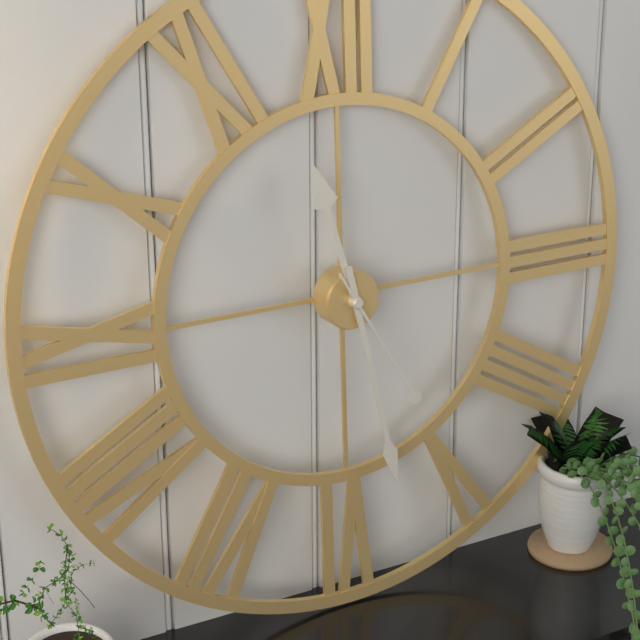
{"hour": 11, "minute": 28, "second": 25}
